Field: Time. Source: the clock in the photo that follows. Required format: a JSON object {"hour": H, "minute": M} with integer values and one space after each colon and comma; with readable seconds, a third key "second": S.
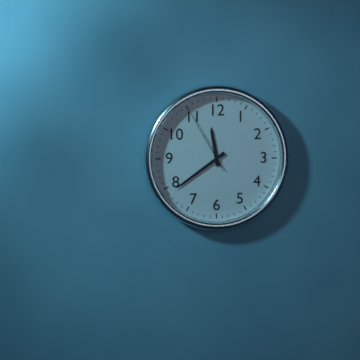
{"hour": 11, "minute": 39, "second": 55}
